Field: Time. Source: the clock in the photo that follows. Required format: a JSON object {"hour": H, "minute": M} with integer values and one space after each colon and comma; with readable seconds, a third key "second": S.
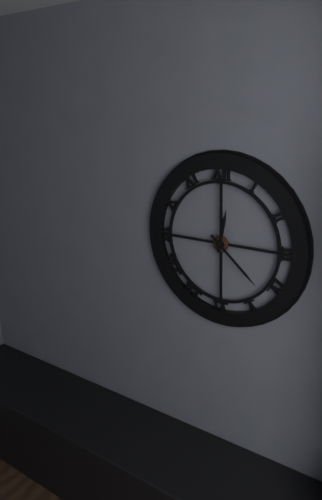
{"hour": 12, "minute": 22}
